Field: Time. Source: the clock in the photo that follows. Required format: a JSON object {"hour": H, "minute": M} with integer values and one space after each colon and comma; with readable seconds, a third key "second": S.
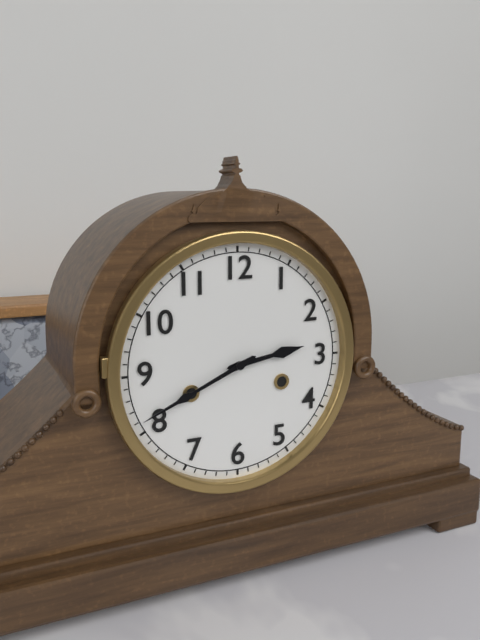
{"hour": 2, "minute": 41}
